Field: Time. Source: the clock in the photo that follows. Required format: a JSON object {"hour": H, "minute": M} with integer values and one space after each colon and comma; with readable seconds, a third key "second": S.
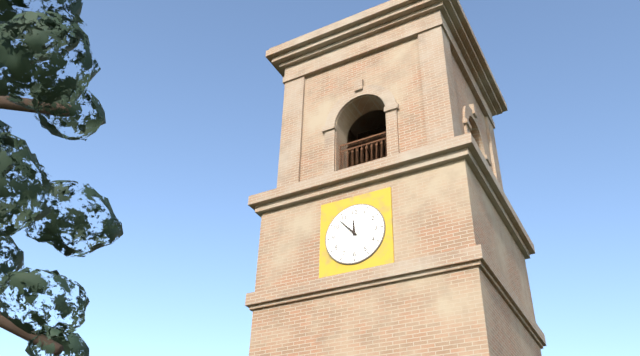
{"hour": 11, "minute": 53}
